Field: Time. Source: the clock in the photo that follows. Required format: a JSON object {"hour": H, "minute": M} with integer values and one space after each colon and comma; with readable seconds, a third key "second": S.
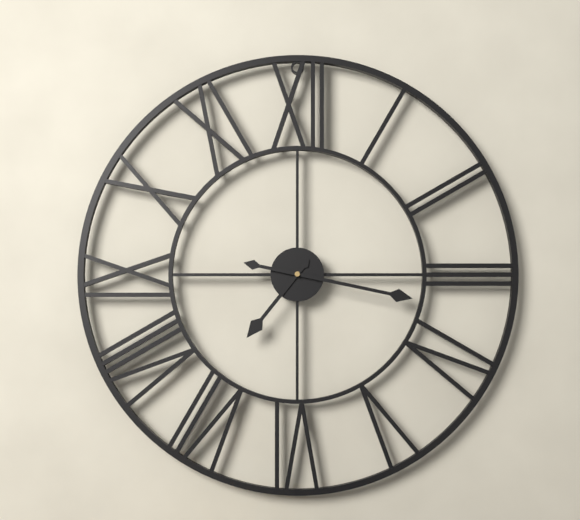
{"hour": 7, "minute": 17}
